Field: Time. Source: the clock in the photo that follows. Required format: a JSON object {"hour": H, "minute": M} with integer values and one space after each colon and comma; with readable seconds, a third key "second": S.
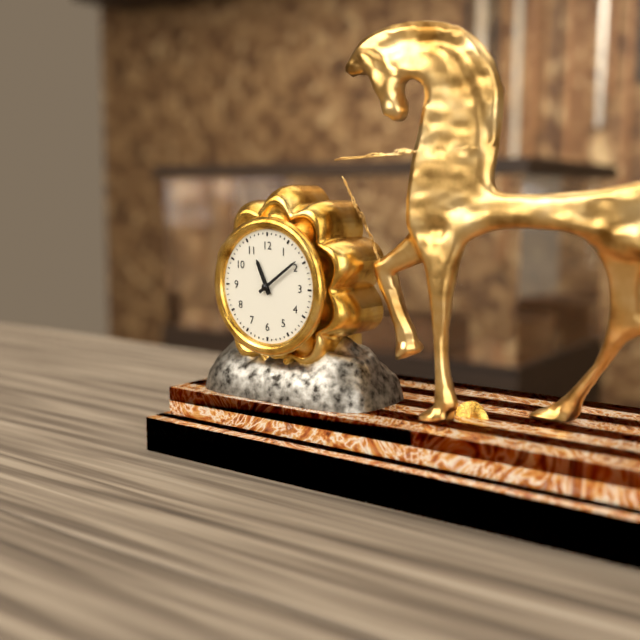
{"hour": 11, "minute": 9}
